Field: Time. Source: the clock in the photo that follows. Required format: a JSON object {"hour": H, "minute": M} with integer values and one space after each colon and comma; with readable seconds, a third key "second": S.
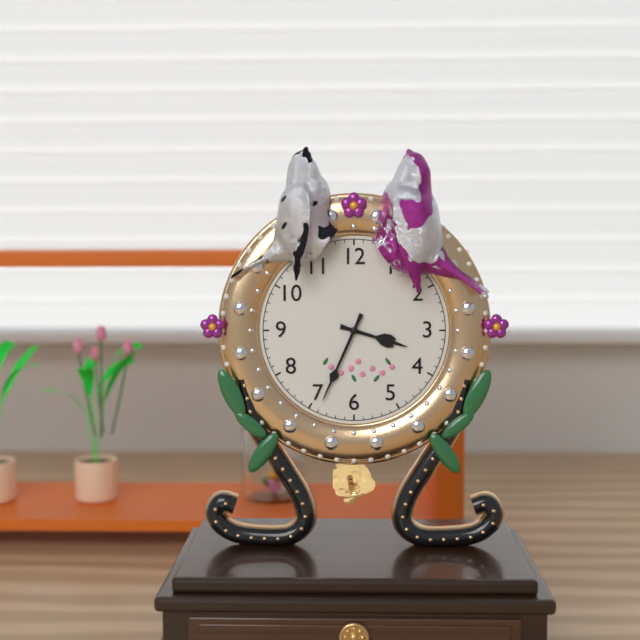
{"hour": 3, "minute": 34}
